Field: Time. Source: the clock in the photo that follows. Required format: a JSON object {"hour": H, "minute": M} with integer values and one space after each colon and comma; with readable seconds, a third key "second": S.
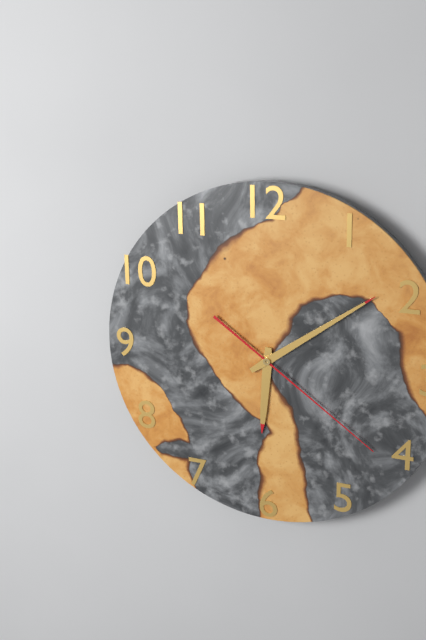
{"hour": 6, "minute": 9, "second": 21}
